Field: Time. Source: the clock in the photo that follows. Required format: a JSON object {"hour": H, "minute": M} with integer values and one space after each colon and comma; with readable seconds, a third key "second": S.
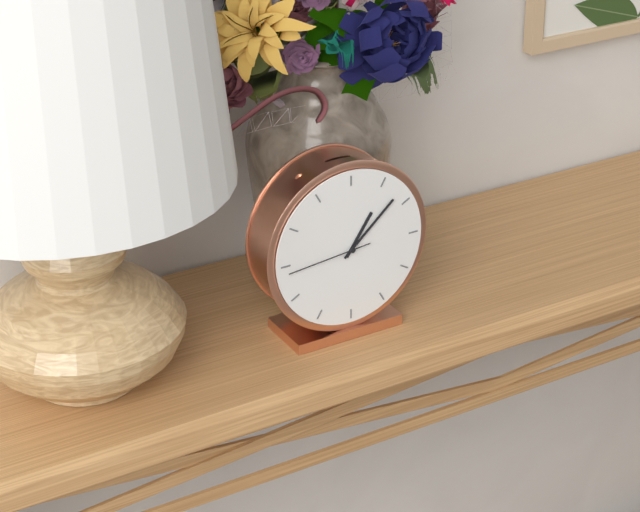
{"hour": 1, "minute": 8, "second": 44}
